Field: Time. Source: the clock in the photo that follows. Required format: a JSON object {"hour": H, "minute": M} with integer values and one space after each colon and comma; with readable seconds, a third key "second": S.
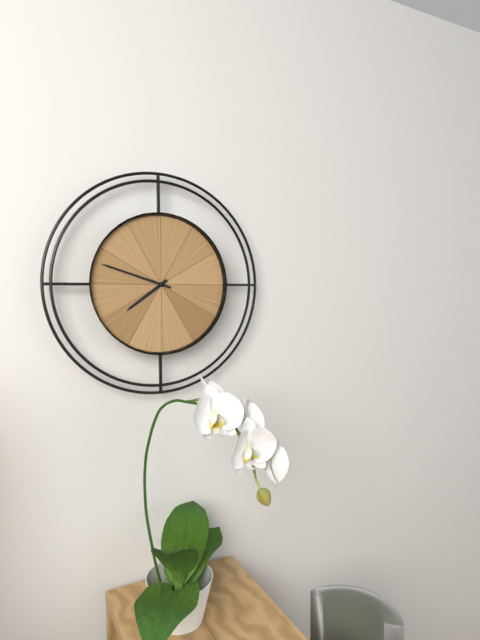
{"hour": 7, "minute": 48}
